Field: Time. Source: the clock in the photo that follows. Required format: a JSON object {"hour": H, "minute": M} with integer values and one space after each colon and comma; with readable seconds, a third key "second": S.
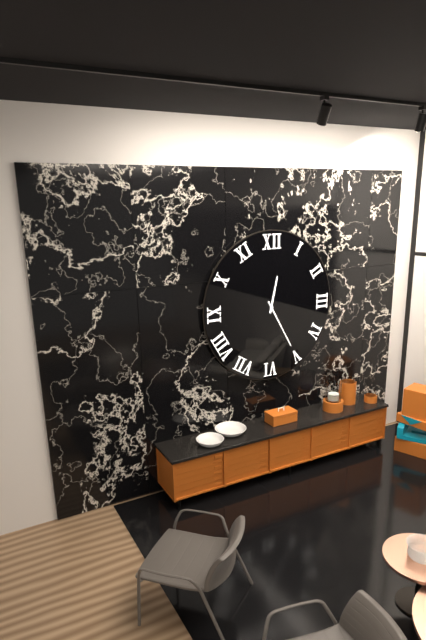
{"hour": 12, "minute": 25}
